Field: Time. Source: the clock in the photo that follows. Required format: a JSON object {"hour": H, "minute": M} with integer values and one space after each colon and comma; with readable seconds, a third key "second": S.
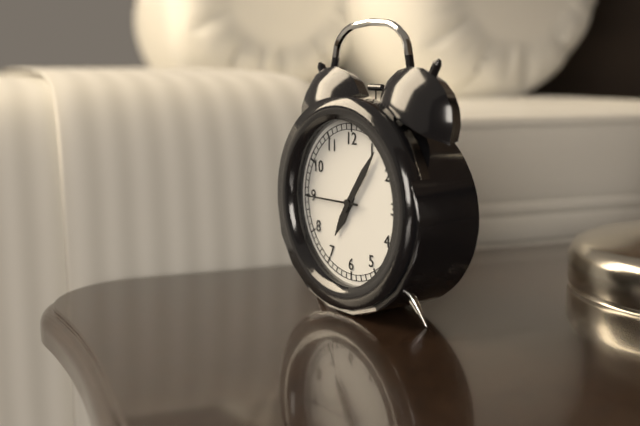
{"hour": 7, "minute": 6}
